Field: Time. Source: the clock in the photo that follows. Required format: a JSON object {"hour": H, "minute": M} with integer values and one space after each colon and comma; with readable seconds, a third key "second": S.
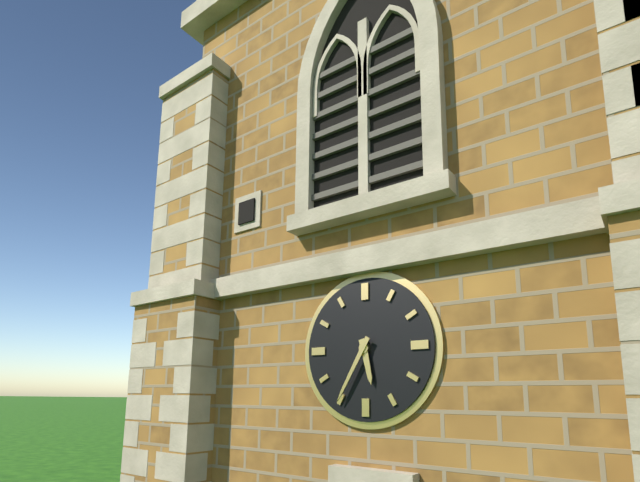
{"hour": 5, "minute": 35}
